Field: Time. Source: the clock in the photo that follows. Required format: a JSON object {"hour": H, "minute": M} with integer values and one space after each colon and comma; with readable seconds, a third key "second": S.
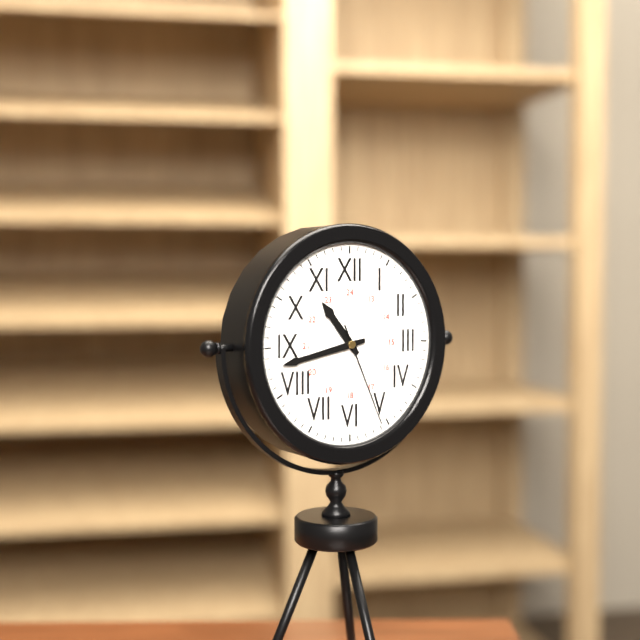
{"hour": 10, "minute": 43, "second": 26}
